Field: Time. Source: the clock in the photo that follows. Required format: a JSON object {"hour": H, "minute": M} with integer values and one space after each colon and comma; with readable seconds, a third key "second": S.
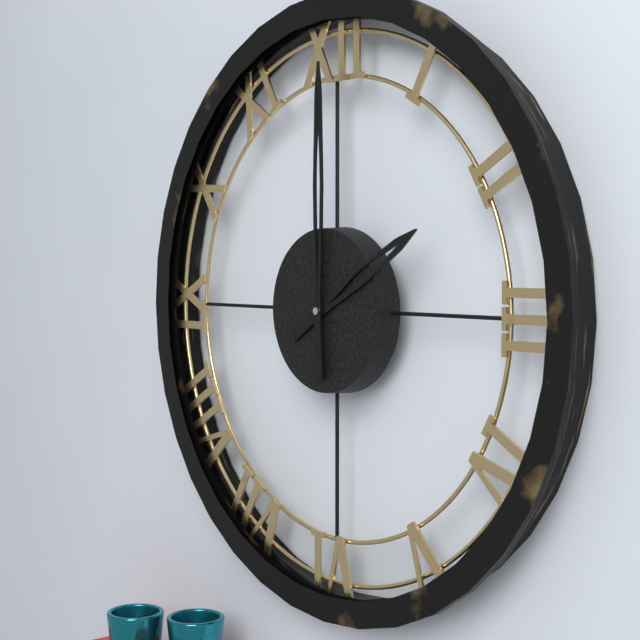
{"hour": 2, "minute": 0}
